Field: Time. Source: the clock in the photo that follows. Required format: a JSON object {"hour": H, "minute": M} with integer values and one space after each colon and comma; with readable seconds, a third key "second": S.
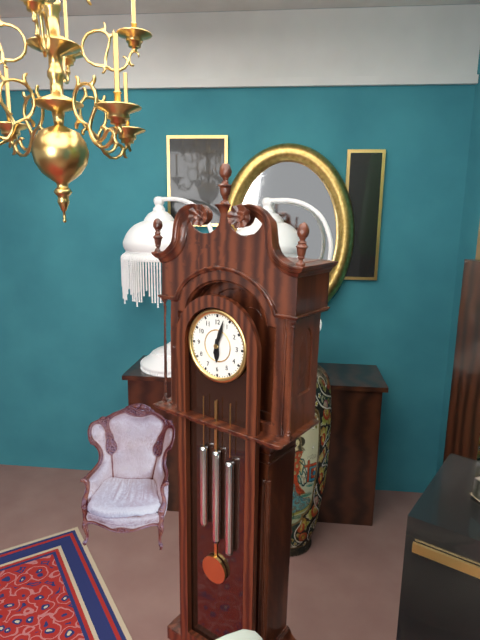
{"hour": 6, "minute": 3}
